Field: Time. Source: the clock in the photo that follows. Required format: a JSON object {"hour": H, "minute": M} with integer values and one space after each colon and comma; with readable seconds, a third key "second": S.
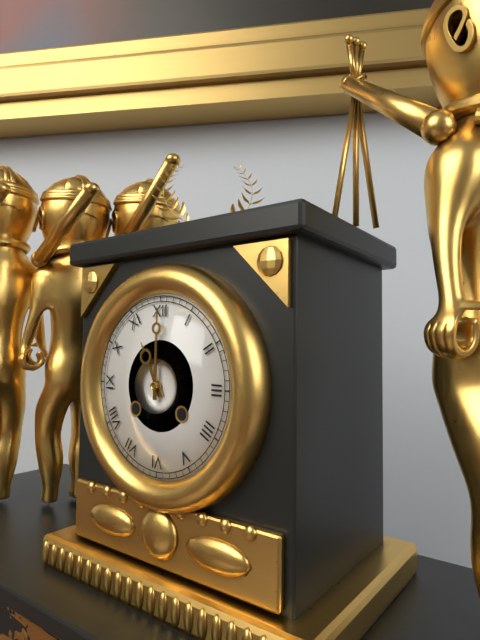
{"hour": 11, "minute": 0}
